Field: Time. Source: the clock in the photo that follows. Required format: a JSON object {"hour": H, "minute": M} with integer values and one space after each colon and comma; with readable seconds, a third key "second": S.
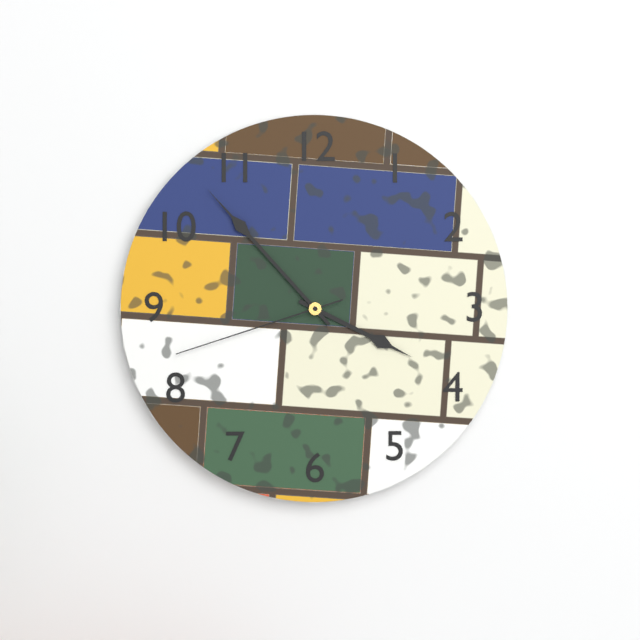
{"hour": 3, "minute": 53, "second": 42}
